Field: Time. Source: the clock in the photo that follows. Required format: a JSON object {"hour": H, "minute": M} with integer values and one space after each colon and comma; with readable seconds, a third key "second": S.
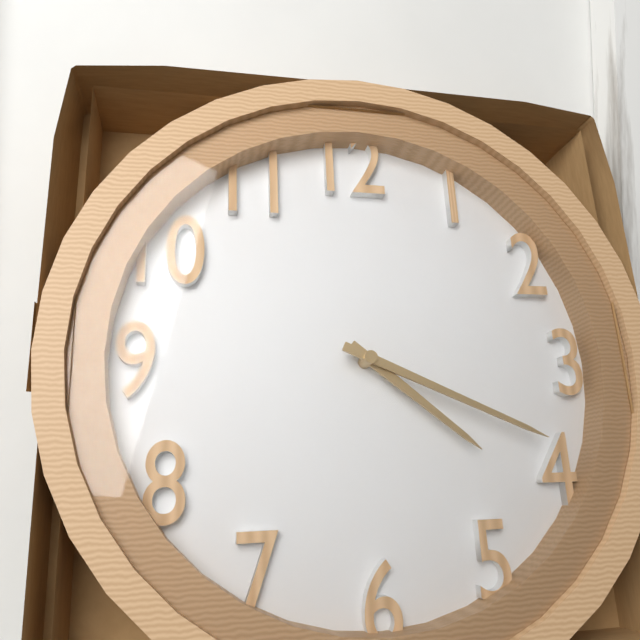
{"hour": 4, "minute": 19}
